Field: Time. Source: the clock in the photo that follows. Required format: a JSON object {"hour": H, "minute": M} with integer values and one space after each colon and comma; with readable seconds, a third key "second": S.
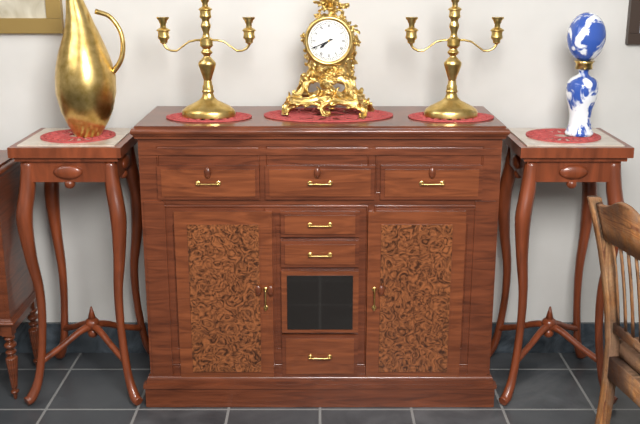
{"hour": 7, "minute": 41}
